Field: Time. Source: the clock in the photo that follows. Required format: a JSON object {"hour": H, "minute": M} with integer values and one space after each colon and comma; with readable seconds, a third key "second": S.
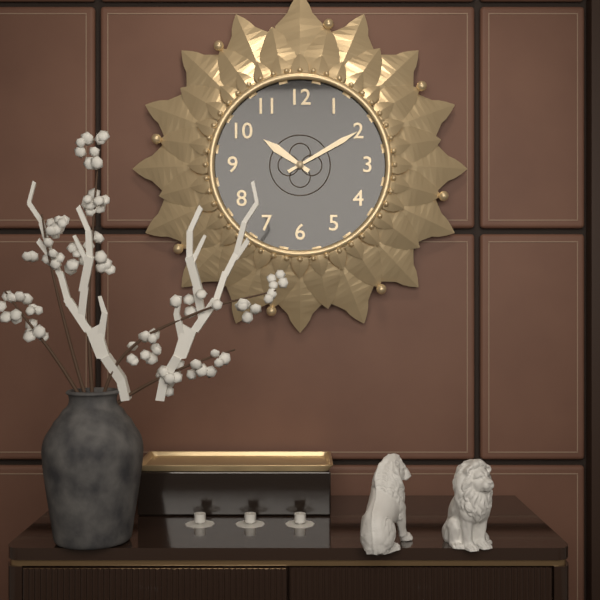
{"hour": 10, "minute": 10}
